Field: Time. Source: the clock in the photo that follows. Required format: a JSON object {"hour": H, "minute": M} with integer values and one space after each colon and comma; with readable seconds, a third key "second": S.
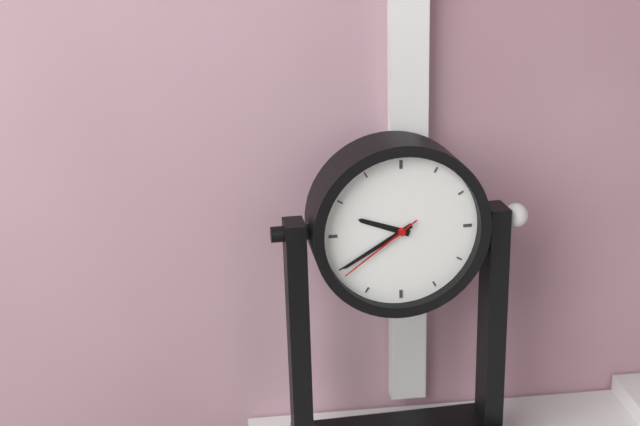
{"hour": 9, "minute": 40, "second": 39}
